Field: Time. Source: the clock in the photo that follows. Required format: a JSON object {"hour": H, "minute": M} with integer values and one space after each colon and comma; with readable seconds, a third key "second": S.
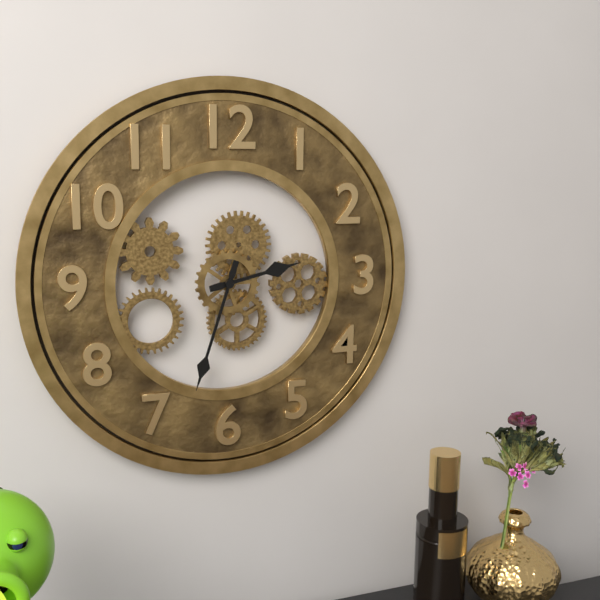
{"hour": 2, "minute": 33}
